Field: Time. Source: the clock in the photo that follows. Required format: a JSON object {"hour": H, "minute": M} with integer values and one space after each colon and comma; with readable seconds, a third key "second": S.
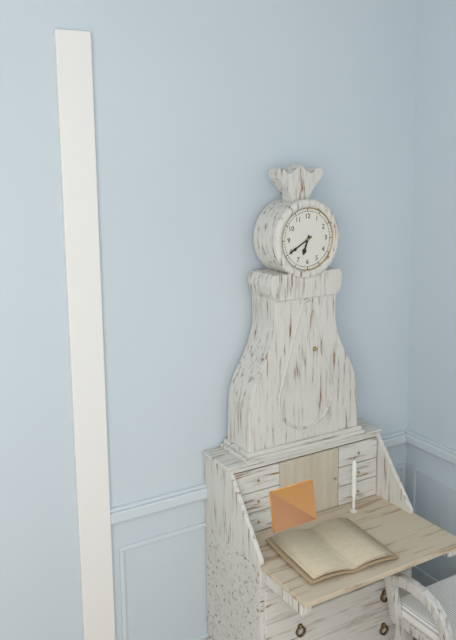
{"hour": 6, "minute": 40}
